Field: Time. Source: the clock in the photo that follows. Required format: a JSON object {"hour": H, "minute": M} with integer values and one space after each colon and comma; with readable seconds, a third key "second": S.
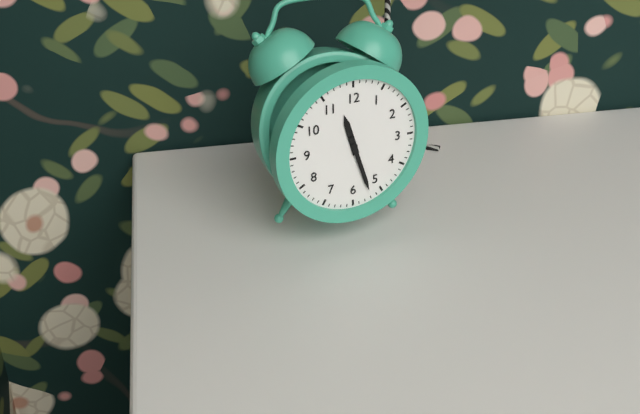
{"hour": 11, "minute": 27}
